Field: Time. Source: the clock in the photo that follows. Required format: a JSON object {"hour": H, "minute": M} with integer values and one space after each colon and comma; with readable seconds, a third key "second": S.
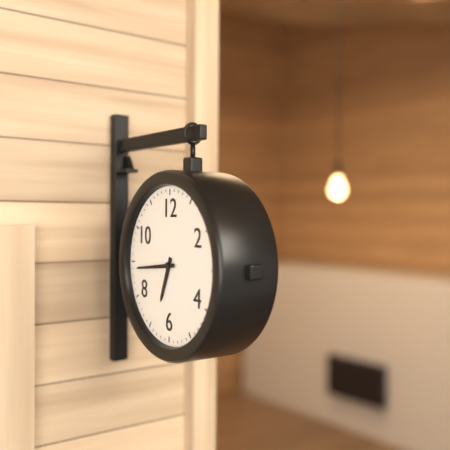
{"hour": 6, "minute": 44}
